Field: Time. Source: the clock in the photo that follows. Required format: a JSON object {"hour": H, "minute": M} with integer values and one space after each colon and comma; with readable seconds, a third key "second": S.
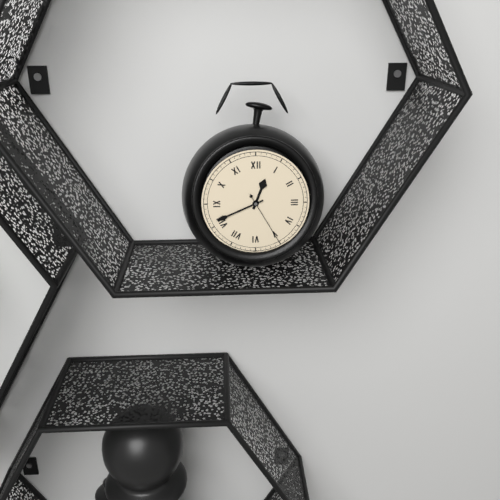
{"hour": 12, "minute": 41, "second": 25}
